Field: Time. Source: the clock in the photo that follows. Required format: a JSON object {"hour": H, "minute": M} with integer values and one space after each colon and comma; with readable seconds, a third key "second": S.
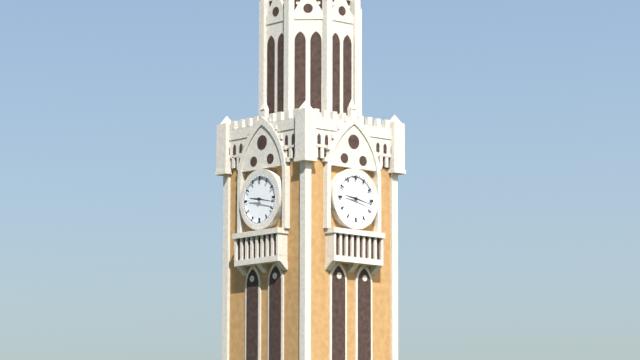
{"hour": 9, "minute": 17}
